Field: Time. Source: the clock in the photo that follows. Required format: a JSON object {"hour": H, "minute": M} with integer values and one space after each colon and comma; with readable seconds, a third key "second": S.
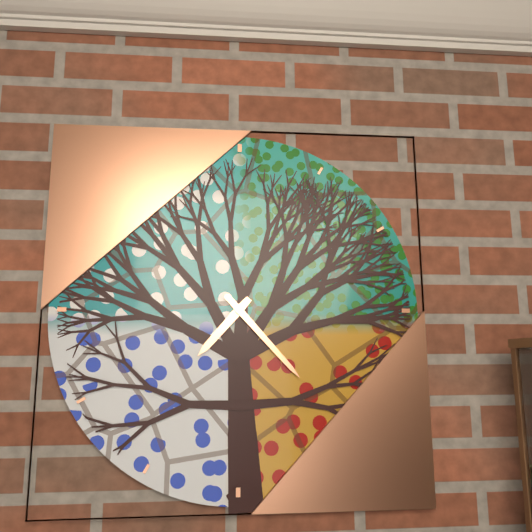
{"hour": 7, "minute": 23}
